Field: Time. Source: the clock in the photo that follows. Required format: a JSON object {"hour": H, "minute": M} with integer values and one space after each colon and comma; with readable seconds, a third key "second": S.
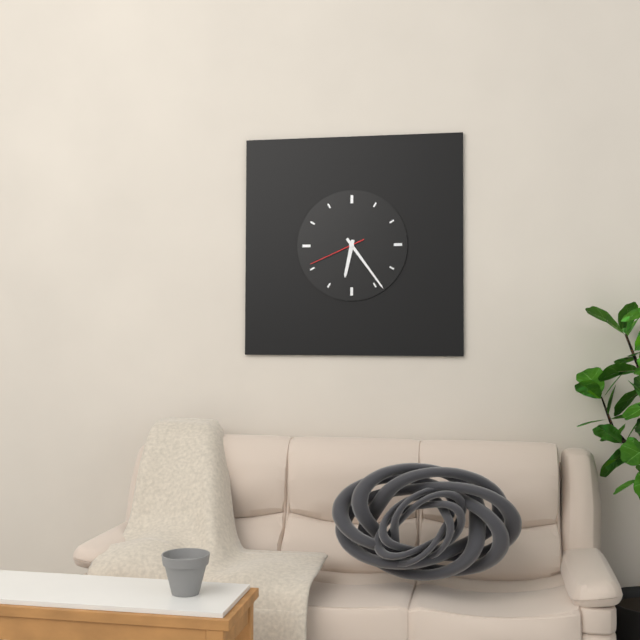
{"hour": 6, "minute": 24, "second": 41}
